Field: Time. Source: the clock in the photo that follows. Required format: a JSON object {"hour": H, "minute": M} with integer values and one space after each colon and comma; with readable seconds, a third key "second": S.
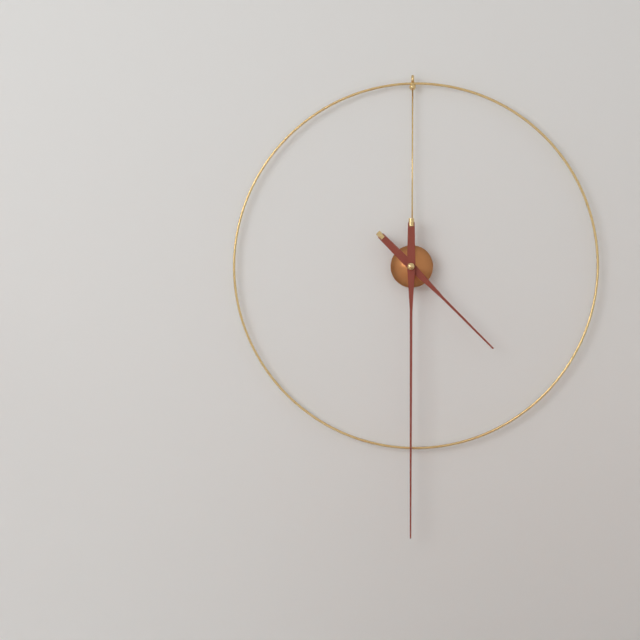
{"hour": 4, "minute": 30}
